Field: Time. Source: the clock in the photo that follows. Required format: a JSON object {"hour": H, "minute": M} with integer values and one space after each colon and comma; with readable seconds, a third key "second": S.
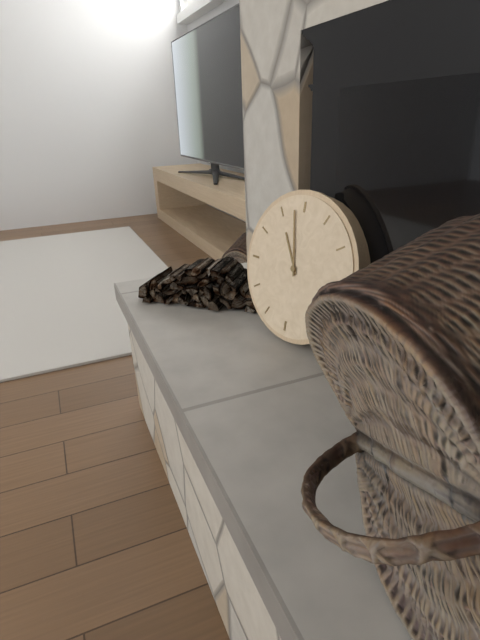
{"hour": 10, "minute": 58}
